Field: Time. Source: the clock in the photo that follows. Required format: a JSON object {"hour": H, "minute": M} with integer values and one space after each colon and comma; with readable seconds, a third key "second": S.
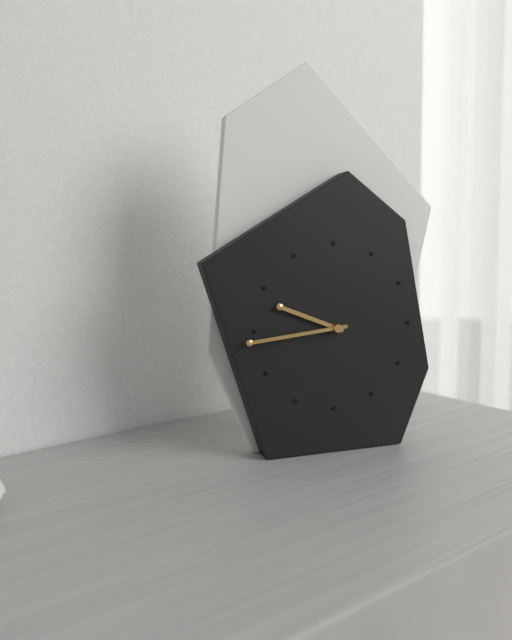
{"hour": 9, "minute": 44}
